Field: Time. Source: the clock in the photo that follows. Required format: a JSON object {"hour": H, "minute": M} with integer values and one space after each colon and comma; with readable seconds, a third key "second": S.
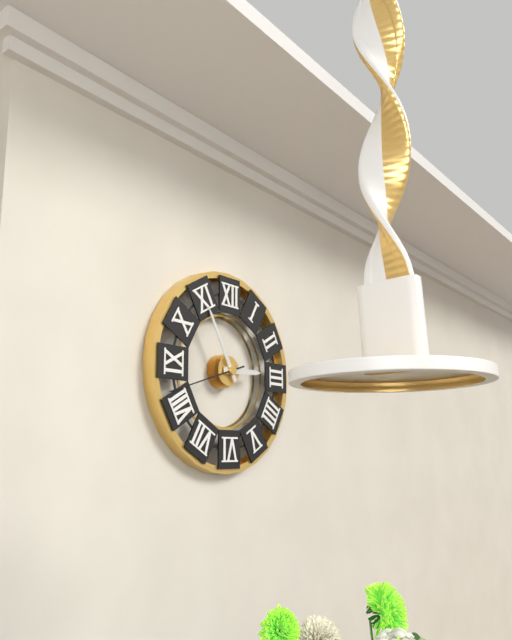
{"hour": 2, "minute": 55, "second": 42}
